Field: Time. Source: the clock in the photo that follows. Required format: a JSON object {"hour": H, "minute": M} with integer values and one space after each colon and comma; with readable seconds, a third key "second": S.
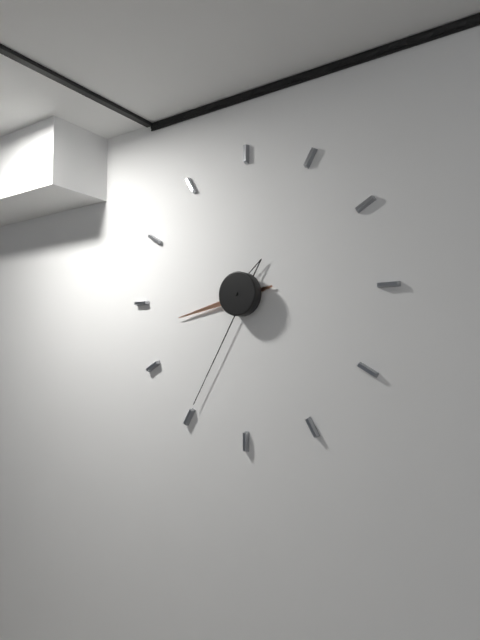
{"hour": 8, "minute": 35}
